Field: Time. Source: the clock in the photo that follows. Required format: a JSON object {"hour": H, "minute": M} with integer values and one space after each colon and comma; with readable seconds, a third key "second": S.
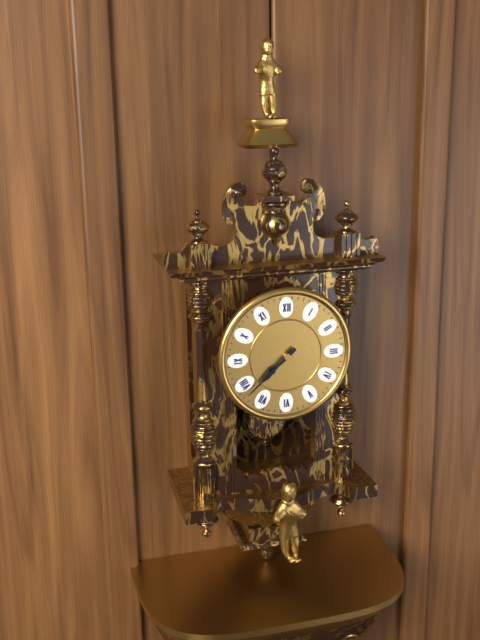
{"hour": 7, "minute": 38}
